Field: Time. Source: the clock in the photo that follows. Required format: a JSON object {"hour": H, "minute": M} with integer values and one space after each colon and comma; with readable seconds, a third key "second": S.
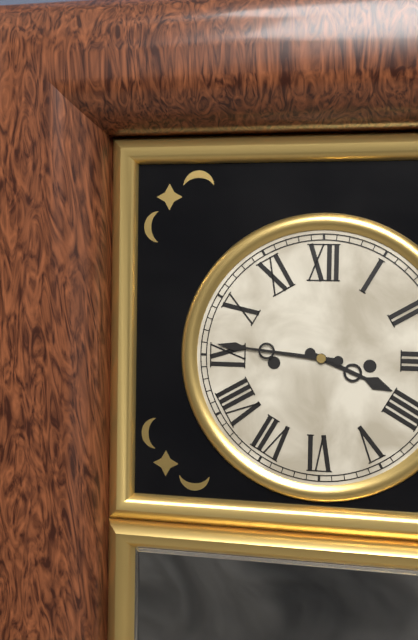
{"hour": 3, "minute": 46}
